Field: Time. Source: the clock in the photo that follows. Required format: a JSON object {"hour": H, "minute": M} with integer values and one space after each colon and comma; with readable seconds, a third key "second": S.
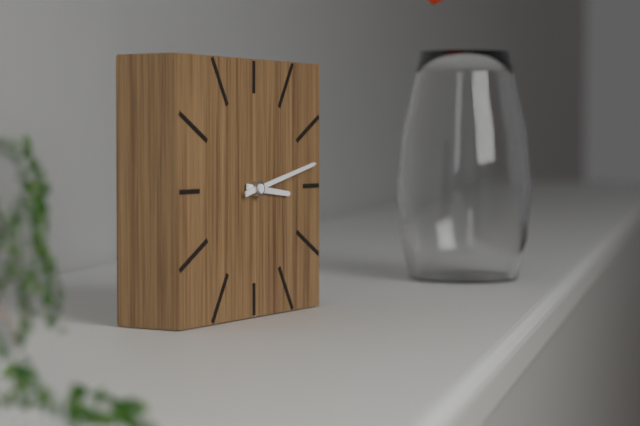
{"hour": 3, "minute": 13}
